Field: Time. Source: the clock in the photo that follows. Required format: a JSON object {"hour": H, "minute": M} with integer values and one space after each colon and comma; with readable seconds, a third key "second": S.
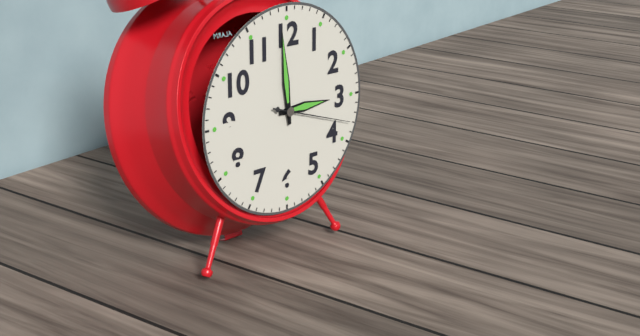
{"hour": 2, "minute": 59, "second": 18}
